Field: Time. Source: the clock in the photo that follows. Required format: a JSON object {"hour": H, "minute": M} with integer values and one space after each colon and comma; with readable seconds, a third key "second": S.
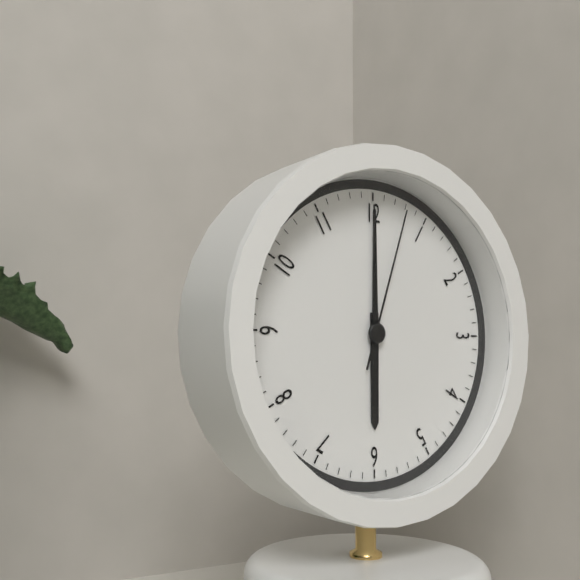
{"hour": 6, "minute": 0, "second": 3}
